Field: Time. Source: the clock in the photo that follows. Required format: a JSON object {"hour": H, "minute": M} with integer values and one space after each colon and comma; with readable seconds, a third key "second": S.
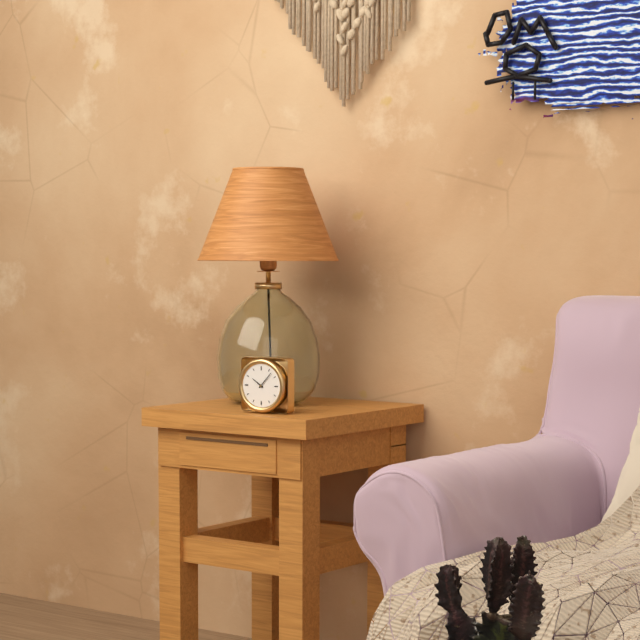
{"hour": 10, "minute": 7}
